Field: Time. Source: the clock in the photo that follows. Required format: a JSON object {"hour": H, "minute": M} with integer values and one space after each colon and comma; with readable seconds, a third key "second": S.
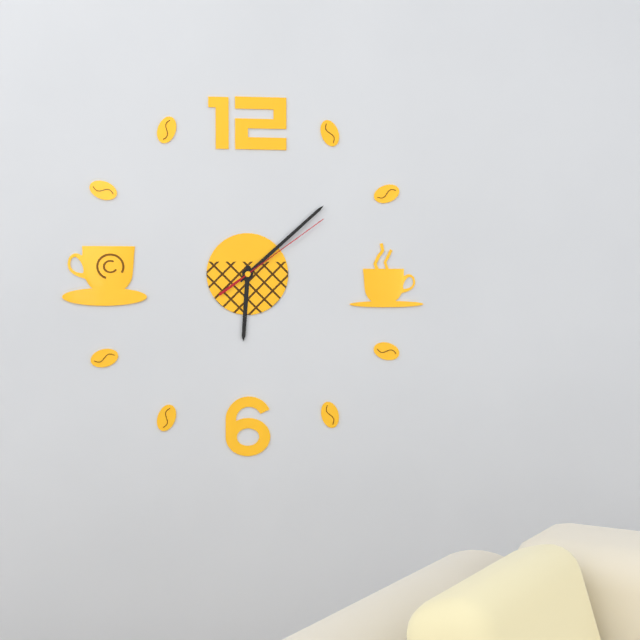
{"hour": 6, "minute": 8, "second": 9}
